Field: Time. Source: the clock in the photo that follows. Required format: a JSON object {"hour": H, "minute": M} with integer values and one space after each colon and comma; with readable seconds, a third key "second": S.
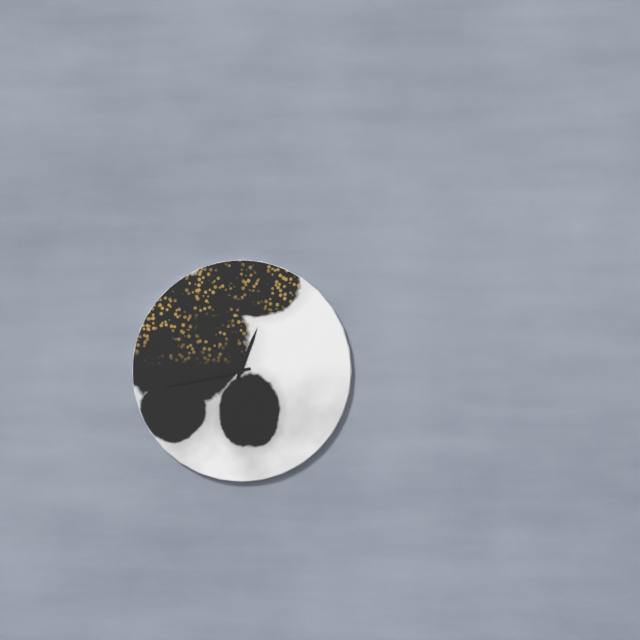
{"hour": 12, "minute": 43}
